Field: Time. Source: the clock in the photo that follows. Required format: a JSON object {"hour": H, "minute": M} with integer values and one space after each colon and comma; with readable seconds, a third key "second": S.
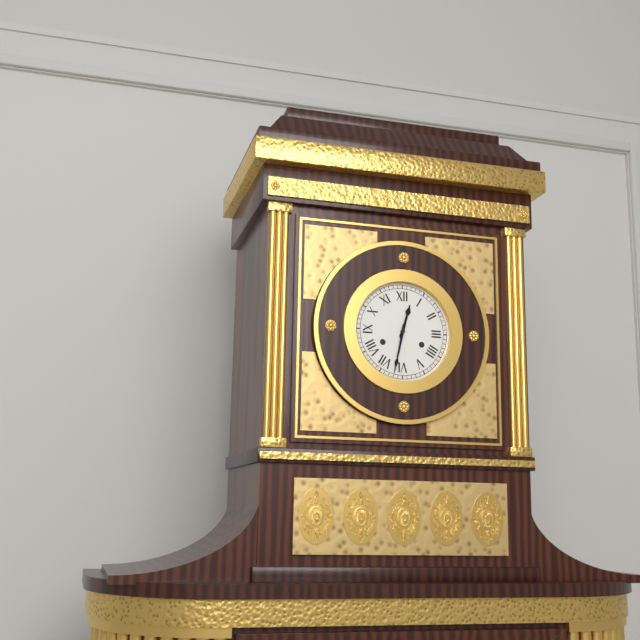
{"hour": 12, "minute": 32}
